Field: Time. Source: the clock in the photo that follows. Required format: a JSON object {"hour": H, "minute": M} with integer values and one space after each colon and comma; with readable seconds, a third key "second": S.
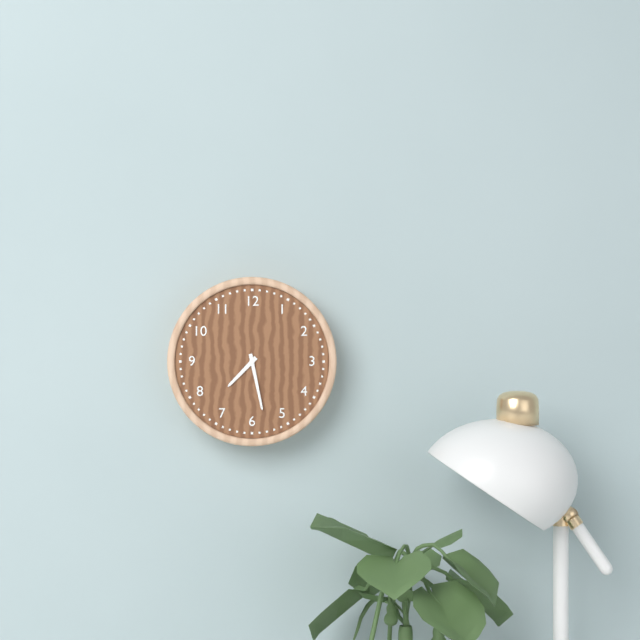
{"hour": 7, "minute": 28}
